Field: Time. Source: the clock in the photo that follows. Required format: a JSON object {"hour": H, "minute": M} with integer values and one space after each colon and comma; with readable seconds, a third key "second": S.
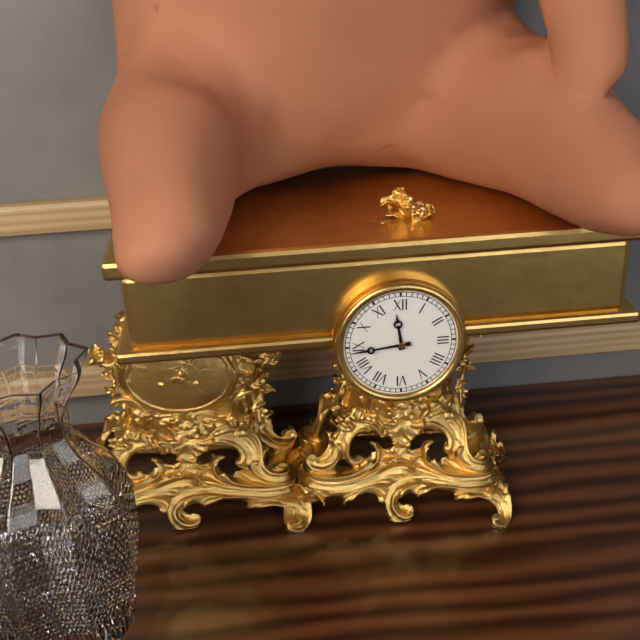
{"hour": 11, "minute": 44}
